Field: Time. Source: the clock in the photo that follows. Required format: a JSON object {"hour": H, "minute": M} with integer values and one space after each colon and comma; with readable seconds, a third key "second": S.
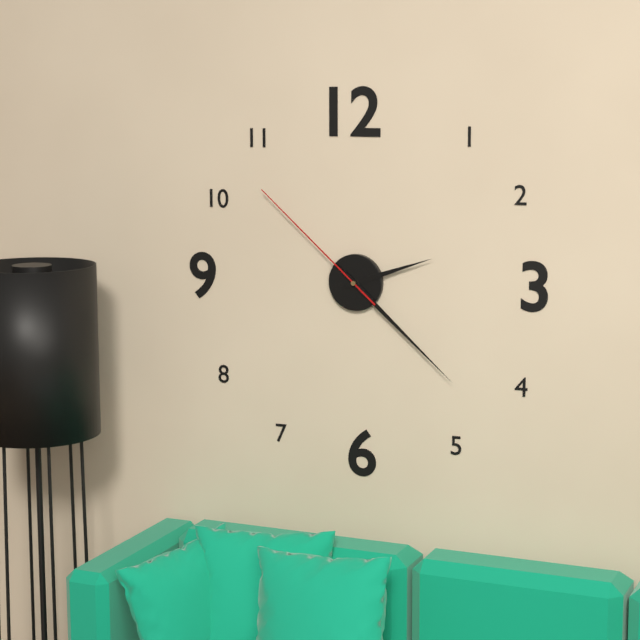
{"hour": 2, "minute": 22, "second": 52}
